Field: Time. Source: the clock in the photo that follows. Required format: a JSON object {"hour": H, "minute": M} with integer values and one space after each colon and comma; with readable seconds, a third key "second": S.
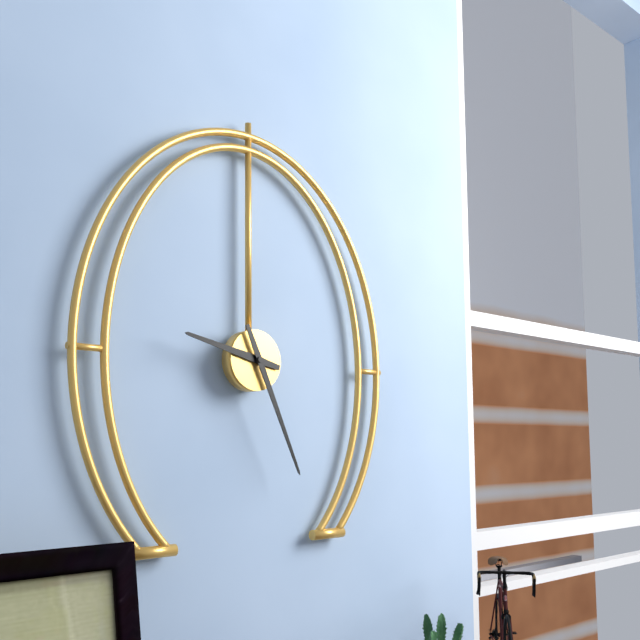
{"hour": 9, "minute": 26}
